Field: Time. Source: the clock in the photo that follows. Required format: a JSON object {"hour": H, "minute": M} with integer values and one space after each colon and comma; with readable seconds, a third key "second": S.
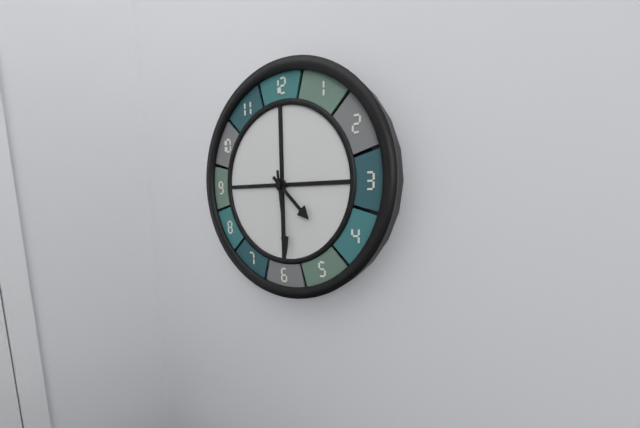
{"hour": 4, "minute": 29}
